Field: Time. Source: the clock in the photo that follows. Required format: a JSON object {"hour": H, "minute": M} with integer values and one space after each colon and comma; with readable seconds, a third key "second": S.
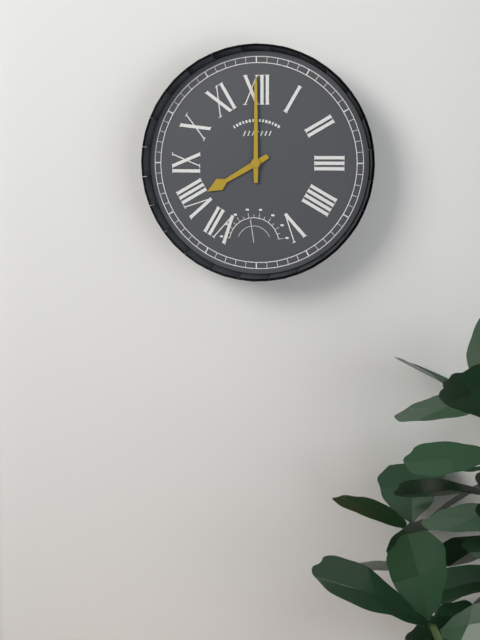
{"hour": 8, "minute": 0}
